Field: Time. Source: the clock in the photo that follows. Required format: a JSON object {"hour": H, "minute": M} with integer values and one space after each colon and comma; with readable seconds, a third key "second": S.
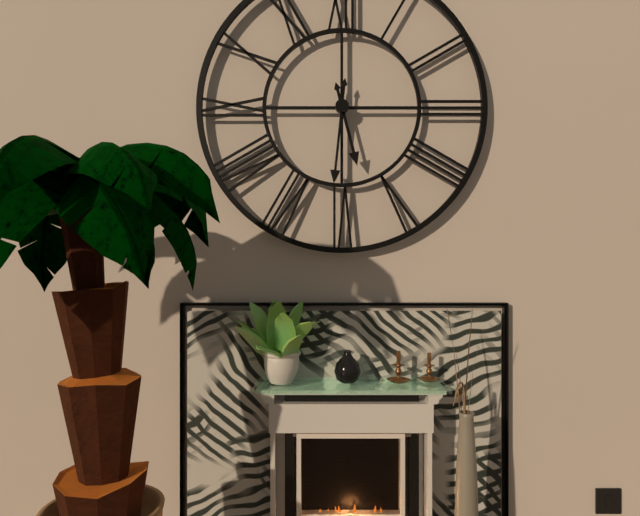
{"hour": 5, "minute": 31}
